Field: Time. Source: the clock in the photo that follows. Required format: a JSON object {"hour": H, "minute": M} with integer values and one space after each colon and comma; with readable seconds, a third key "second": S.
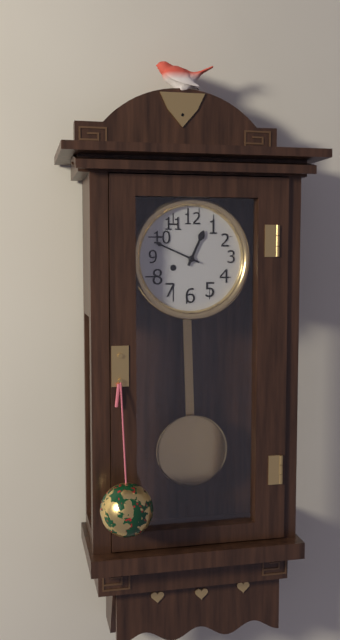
{"hour": 12, "minute": 49}
